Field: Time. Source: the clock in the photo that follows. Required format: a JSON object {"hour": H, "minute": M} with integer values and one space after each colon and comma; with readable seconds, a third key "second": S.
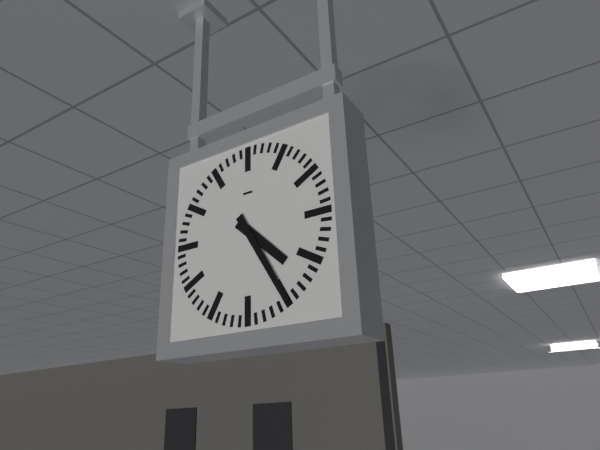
{"hour": 4, "minute": 25}
